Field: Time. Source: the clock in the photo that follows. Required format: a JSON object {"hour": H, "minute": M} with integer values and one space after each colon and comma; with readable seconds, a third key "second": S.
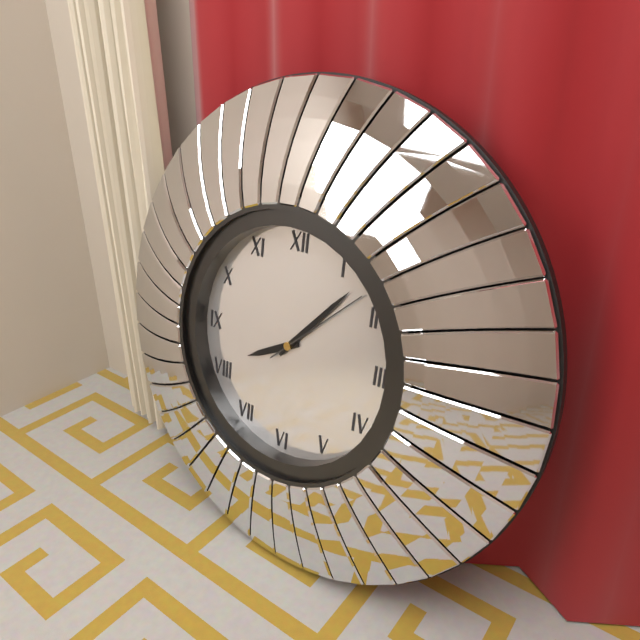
{"hour": 8, "minute": 7, "second": 8}
